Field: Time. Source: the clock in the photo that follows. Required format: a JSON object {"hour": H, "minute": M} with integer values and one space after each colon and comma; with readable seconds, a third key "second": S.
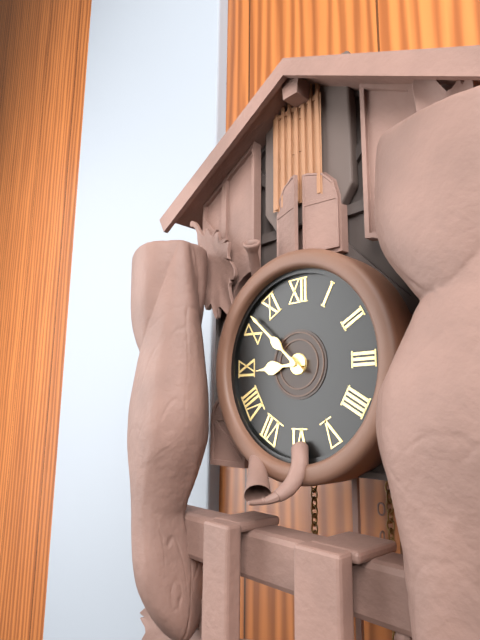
{"hour": 8, "minute": 52}
